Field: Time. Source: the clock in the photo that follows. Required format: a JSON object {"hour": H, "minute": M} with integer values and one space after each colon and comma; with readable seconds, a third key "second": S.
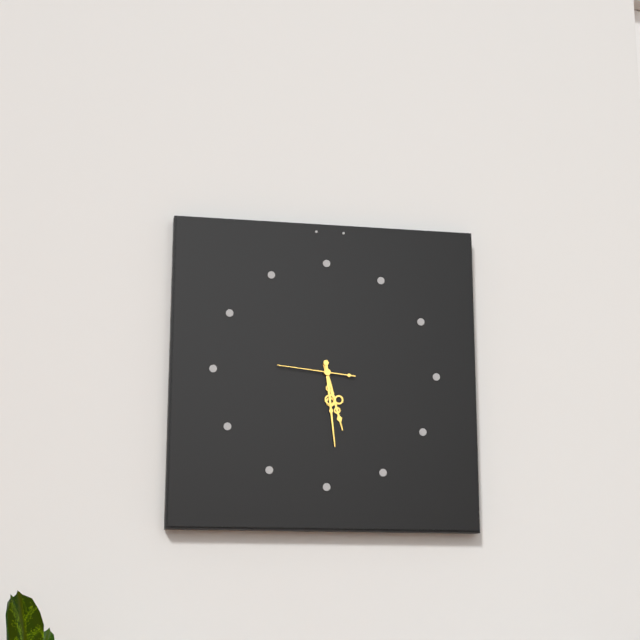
{"hour": 5, "minute": 29, "second": 46}
